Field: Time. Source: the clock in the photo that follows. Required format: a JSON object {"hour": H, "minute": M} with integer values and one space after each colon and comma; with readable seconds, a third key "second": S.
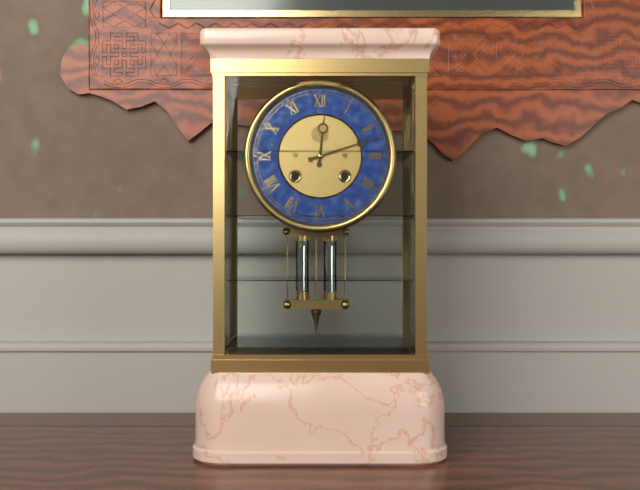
{"hour": 12, "minute": 12}
